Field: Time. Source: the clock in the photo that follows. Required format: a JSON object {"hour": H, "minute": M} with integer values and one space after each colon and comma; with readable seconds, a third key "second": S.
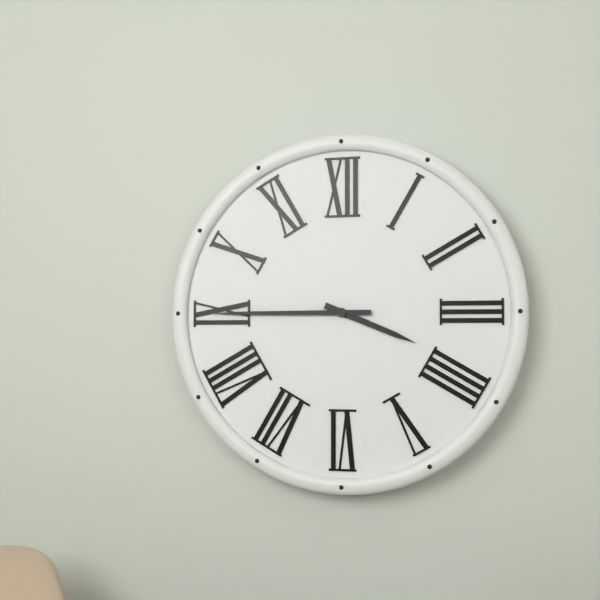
{"hour": 3, "minute": 45}
